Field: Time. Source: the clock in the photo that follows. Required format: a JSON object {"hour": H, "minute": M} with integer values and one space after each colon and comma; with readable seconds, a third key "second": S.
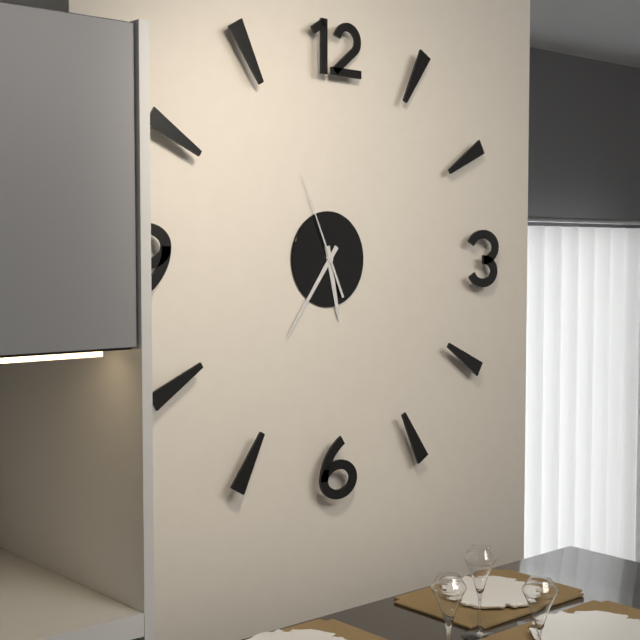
{"hour": 5, "minute": 36, "second": 56}
